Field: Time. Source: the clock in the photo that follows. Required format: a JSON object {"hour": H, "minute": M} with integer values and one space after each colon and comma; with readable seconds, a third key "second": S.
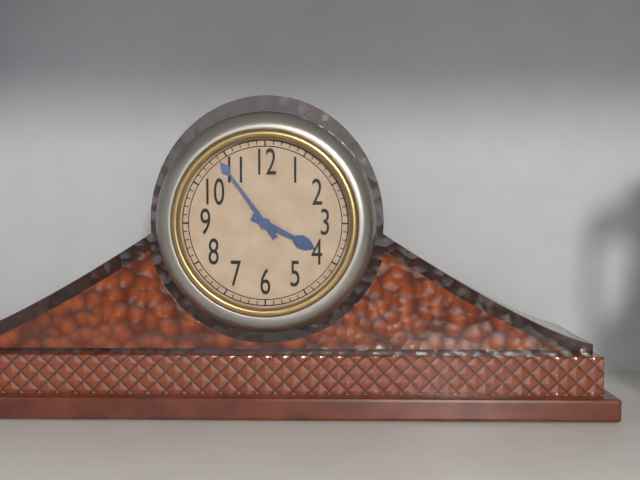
{"hour": 3, "minute": 54}
